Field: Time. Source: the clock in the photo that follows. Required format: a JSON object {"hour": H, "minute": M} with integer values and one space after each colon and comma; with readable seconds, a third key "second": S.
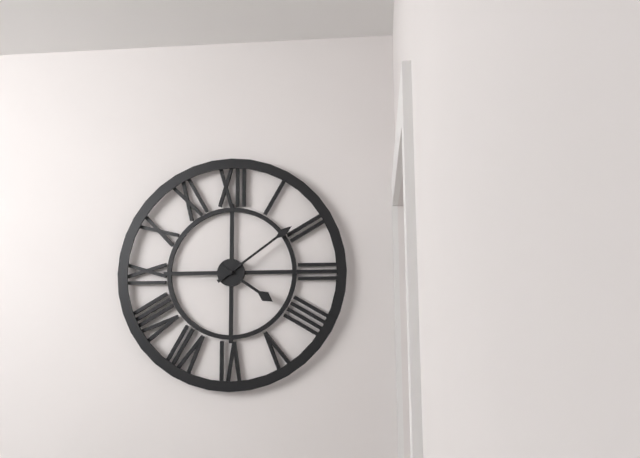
{"hour": 4, "minute": 9}
